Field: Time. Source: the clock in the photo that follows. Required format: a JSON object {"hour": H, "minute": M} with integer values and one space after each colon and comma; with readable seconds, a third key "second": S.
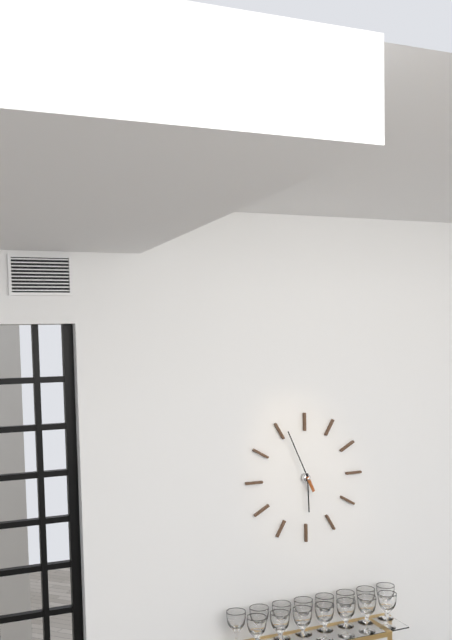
{"hour": 5, "minute": 56}
